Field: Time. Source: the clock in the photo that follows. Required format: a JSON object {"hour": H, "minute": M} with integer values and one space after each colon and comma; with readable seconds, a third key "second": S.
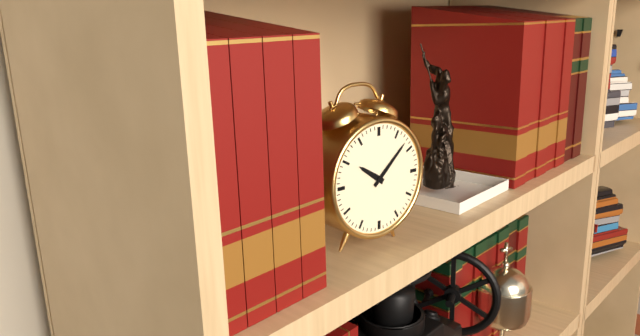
{"hour": 10, "minute": 8}
